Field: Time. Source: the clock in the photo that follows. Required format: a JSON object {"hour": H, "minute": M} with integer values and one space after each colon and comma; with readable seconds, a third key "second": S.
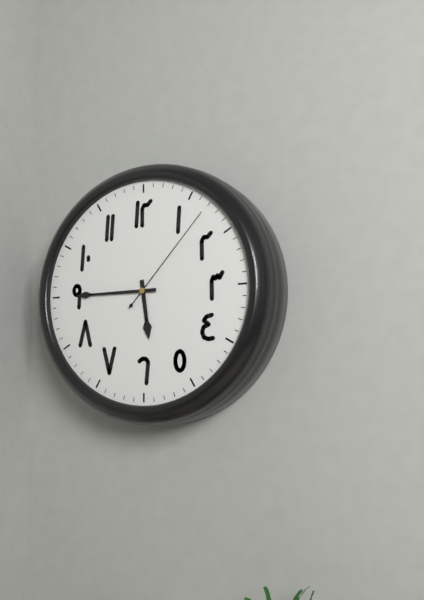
{"hour": 5, "minute": 45, "second": 7}
